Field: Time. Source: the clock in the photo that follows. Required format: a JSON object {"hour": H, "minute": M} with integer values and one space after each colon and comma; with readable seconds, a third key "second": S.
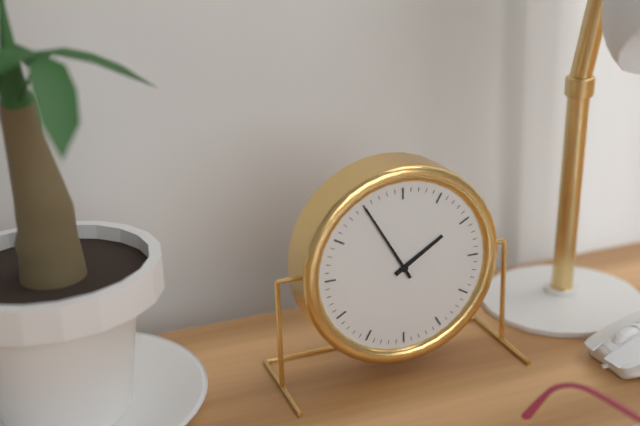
{"hour": 1, "minute": 55}
